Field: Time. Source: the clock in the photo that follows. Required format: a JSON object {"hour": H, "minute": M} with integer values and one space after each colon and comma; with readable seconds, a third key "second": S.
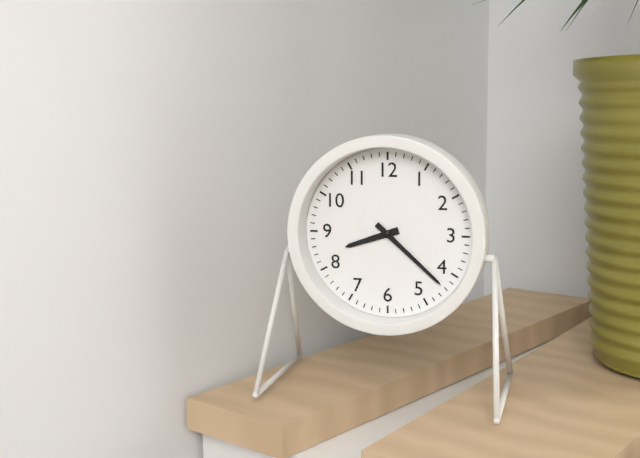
{"hour": 8, "minute": 22}
